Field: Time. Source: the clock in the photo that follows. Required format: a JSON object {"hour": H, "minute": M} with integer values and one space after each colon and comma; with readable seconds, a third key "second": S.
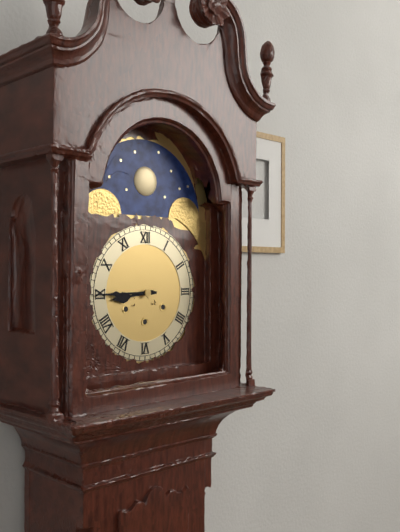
{"hour": 8, "minute": 45}
